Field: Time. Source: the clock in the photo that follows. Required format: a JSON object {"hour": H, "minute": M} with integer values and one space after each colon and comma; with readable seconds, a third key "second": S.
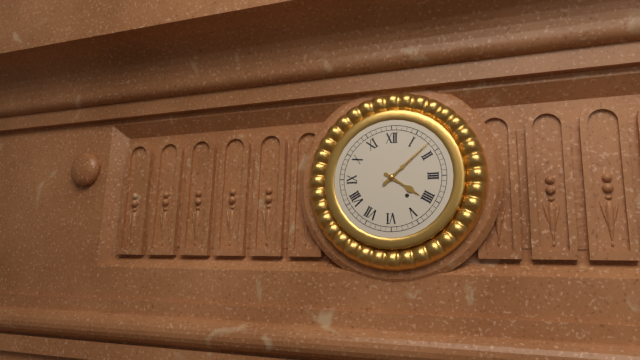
{"hour": 4, "minute": 8}
